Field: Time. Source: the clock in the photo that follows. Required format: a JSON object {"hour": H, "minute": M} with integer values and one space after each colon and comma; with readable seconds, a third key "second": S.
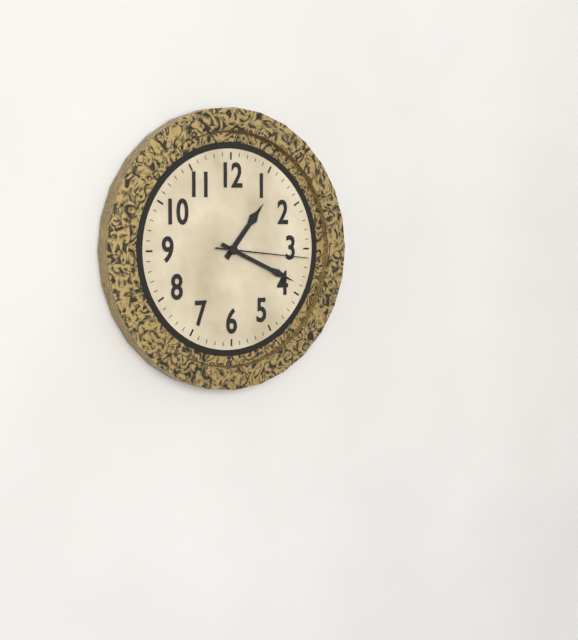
{"hour": 1, "minute": 19, "second": 16}
